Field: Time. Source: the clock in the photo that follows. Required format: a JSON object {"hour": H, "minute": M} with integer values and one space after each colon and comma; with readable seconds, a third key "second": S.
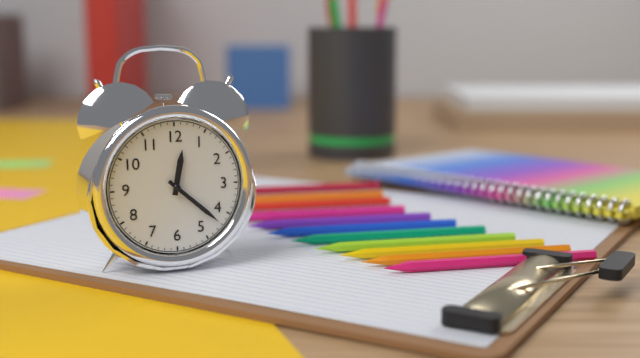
{"hour": 12, "minute": 22}
